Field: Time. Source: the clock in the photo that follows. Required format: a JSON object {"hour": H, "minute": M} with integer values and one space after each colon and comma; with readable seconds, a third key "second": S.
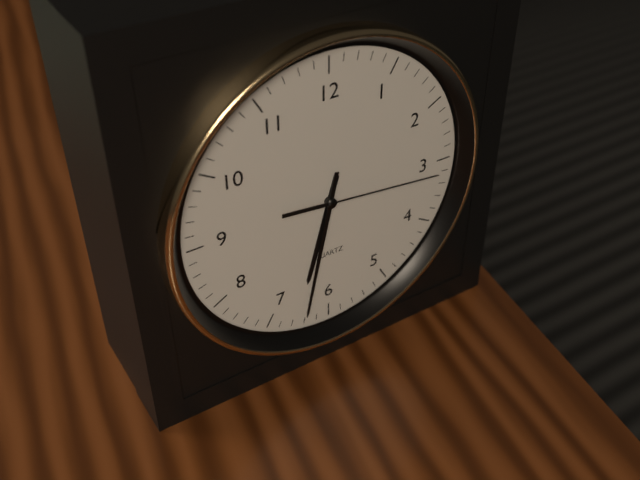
{"hour": 6, "minute": 32, "second": 16}
